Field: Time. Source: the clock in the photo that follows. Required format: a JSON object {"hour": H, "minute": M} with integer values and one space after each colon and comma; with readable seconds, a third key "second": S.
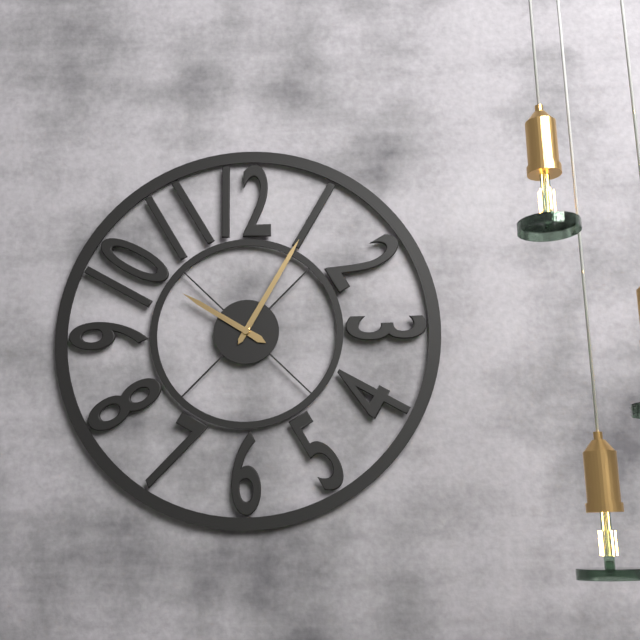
{"hour": 10, "minute": 5}
